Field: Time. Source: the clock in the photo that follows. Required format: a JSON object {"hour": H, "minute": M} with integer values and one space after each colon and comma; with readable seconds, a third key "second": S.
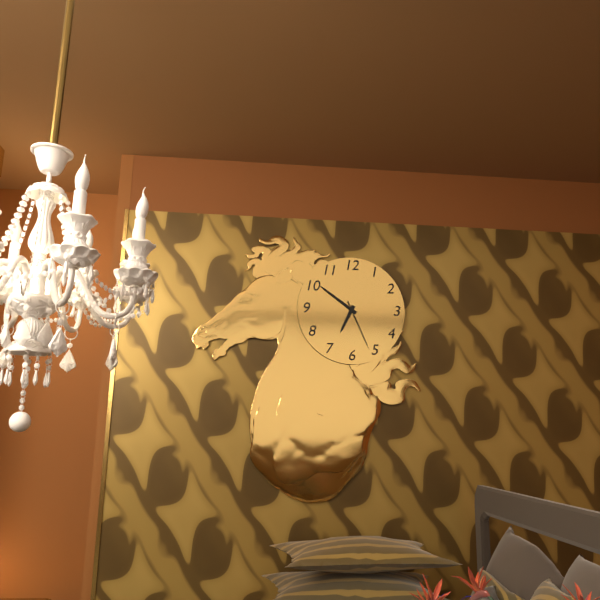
{"hour": 6, "minute": 51, "second": 26}
